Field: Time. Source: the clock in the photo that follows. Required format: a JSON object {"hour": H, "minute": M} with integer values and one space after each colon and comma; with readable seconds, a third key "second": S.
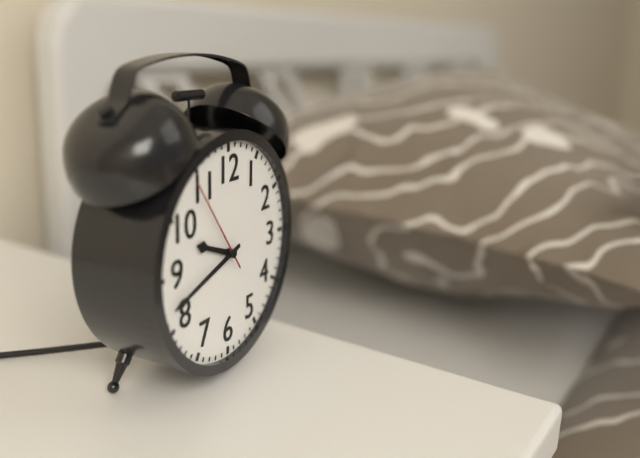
{"hour": 9, "minute": 42, "second": 54}
